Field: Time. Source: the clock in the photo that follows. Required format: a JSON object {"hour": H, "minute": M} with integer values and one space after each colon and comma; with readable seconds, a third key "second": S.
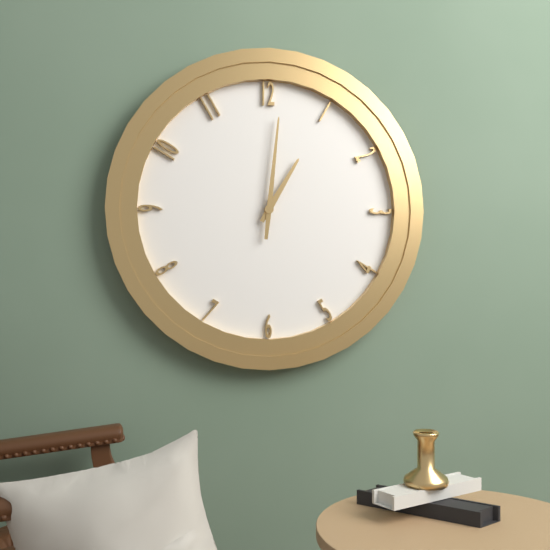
{"hour": 1, "minute": 1}
